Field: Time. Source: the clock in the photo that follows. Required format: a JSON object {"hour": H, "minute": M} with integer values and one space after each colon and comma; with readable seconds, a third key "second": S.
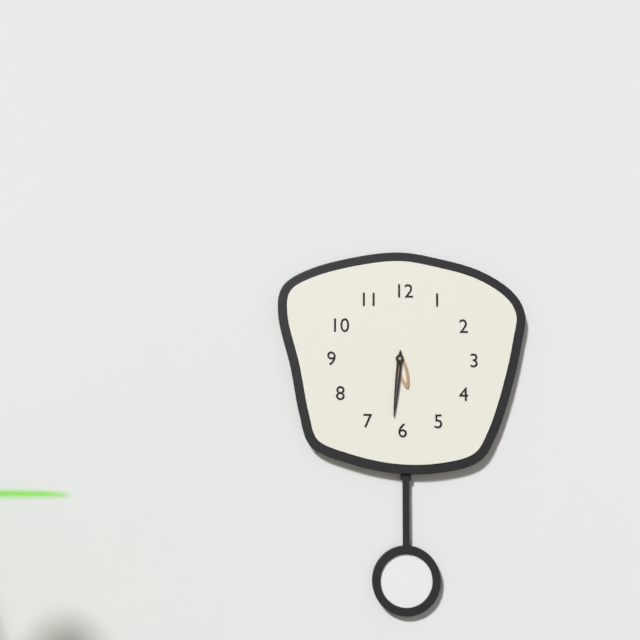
{"hour": 5, "minute": 31}
